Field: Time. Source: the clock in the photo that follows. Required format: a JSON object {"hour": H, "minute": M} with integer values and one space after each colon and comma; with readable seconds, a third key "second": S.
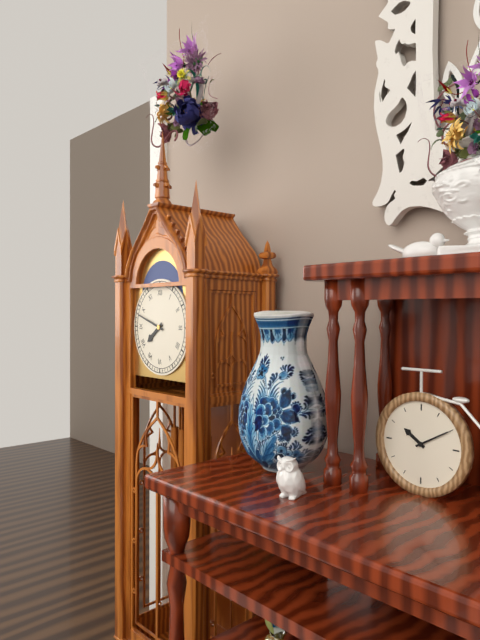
{"hour": 7, "minute": 48}
